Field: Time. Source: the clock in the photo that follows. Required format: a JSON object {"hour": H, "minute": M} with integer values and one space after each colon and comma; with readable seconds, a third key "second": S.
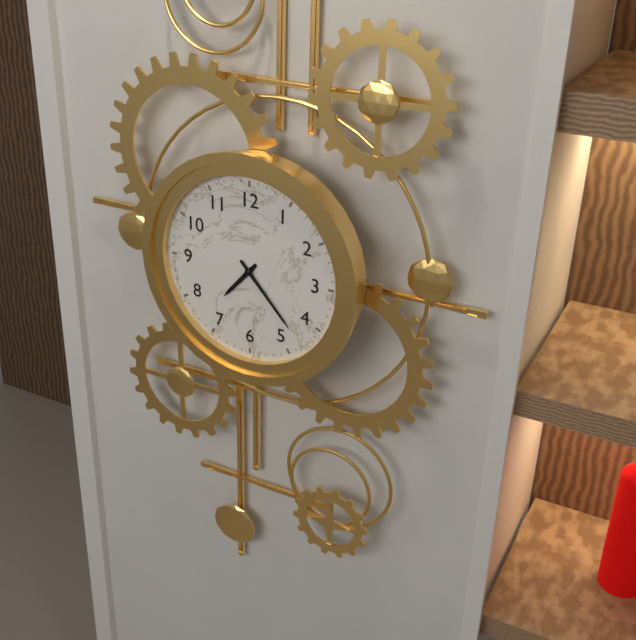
{"hour": 7, "minute": 23}
